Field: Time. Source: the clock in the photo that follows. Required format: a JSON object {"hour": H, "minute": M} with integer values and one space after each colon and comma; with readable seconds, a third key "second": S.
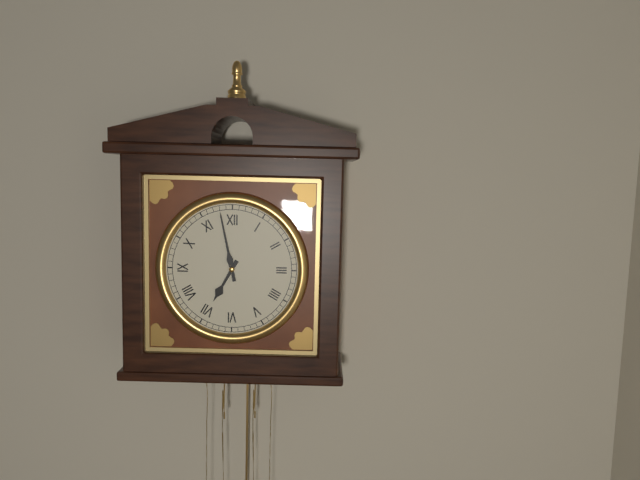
{"hour": 6, "minute": 58}
